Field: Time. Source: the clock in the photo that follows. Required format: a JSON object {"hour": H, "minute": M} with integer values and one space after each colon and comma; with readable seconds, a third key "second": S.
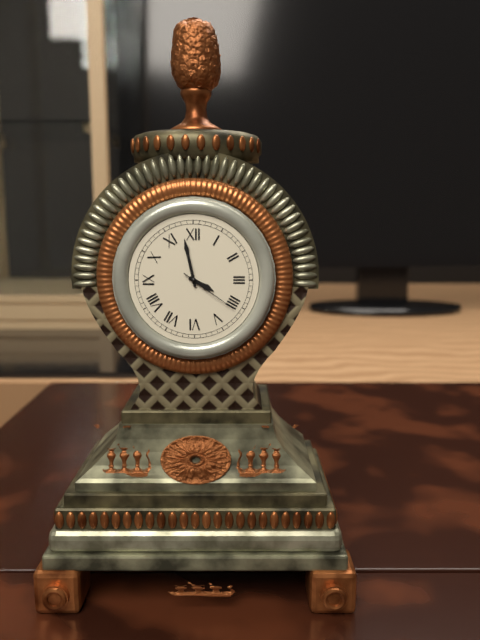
{"hour": 3, "minute": 58, "second": 21}
